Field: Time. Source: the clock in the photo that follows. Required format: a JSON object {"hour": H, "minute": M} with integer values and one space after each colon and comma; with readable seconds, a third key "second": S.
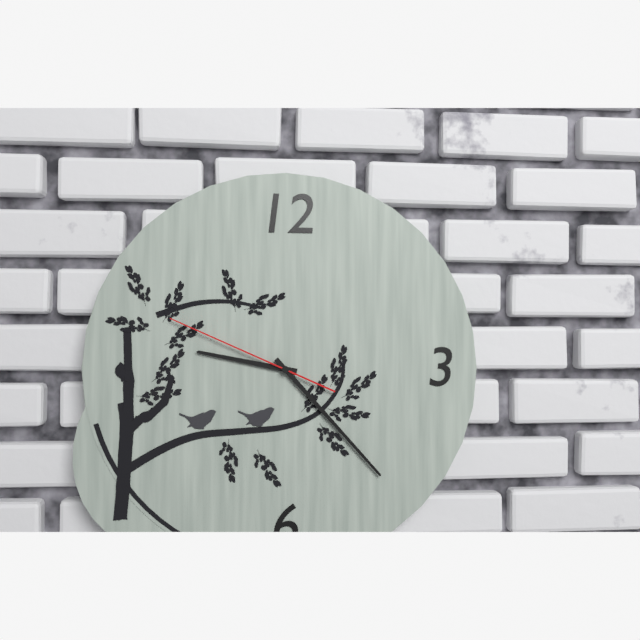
{"hour": 9, "minute": 23, "second": 49}
